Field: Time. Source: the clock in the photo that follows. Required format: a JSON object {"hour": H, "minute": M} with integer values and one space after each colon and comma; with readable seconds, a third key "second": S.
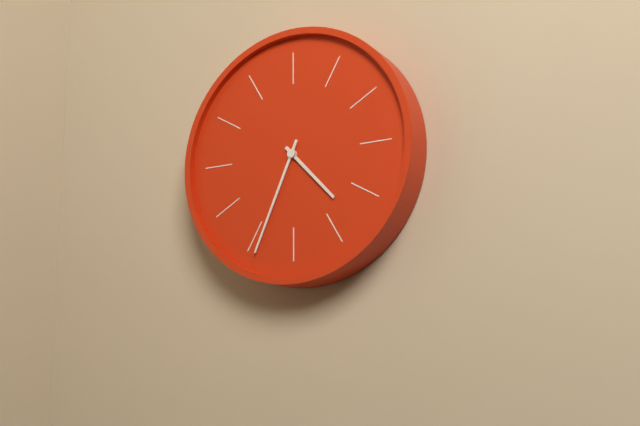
{"hour": 4, "minute": 34}
